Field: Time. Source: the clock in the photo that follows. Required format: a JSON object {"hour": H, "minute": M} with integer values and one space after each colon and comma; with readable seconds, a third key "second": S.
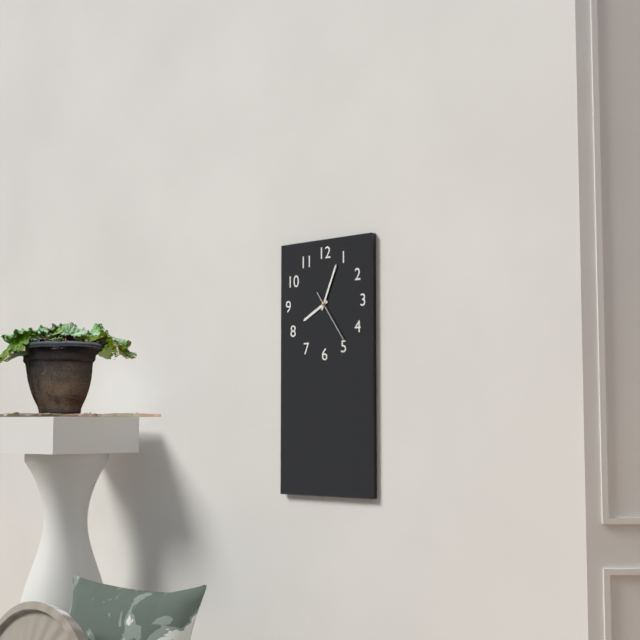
{"hour": 8, "minute": 4, "second": 24}
